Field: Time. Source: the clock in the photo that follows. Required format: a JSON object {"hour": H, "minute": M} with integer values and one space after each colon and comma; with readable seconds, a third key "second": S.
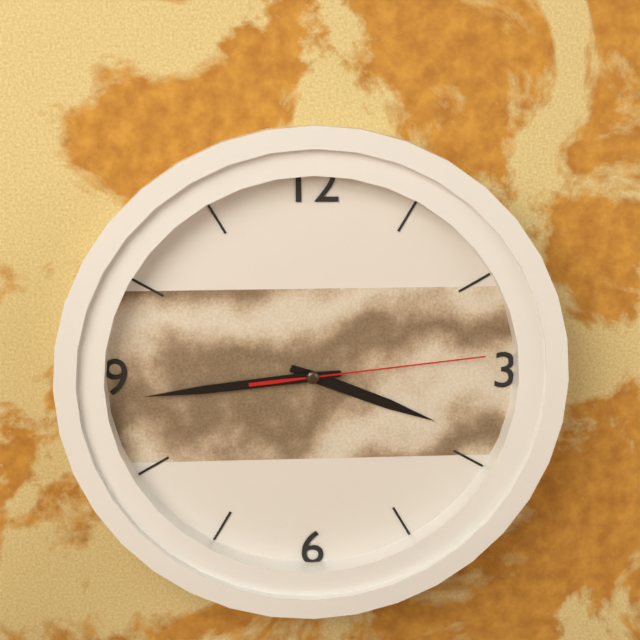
{"hour": 3, "minute": 44, "second": 14}
